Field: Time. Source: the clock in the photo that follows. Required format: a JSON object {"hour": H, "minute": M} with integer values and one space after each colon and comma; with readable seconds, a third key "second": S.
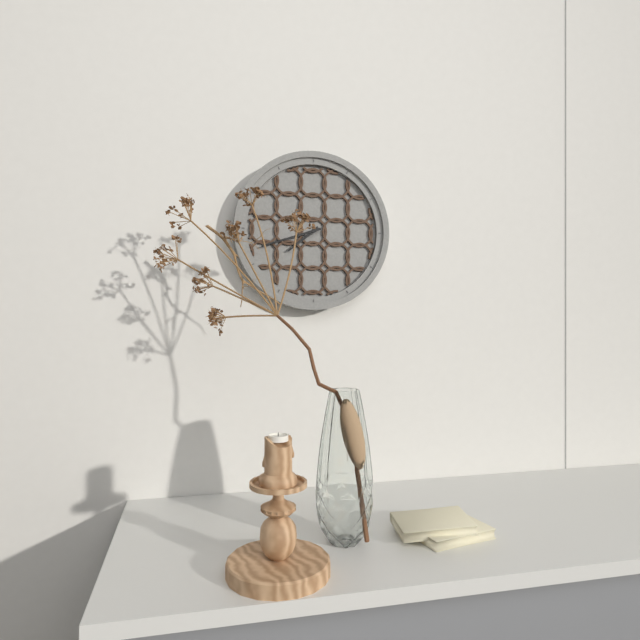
{"hour": 7, "minute": 42}
